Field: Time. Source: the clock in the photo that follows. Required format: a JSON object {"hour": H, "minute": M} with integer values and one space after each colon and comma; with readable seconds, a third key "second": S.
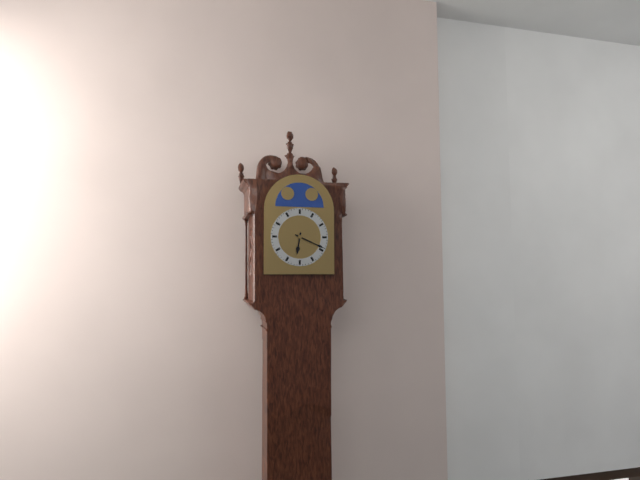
{"hour": 6, "minute": 19}
